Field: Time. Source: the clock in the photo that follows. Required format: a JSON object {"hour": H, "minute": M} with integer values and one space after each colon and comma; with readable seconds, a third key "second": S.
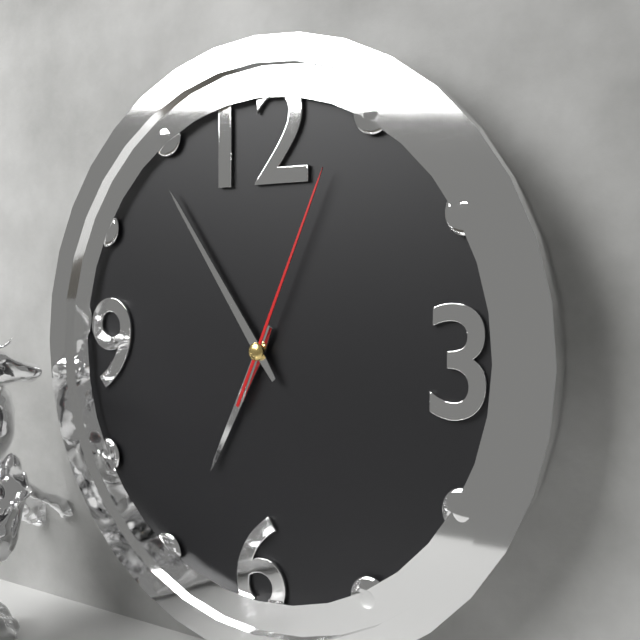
{"hour": 6, "minute": 54, "second": 4}
